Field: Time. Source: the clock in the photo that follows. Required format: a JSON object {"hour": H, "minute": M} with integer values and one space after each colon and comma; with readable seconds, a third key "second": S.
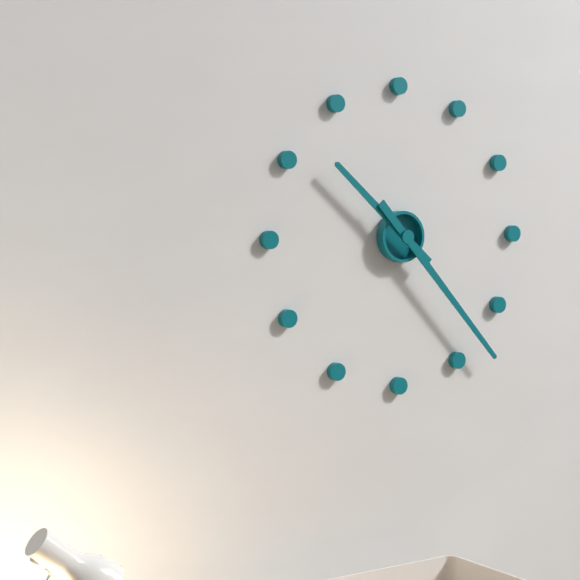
{"hour": 10, "minute": 23}
